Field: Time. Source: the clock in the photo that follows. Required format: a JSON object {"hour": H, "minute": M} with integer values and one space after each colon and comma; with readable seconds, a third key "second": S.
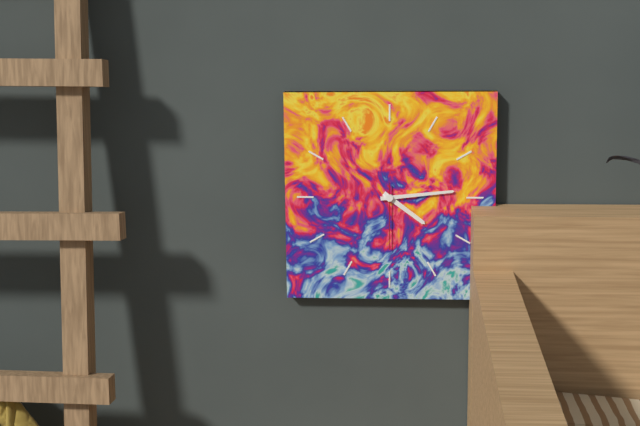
{"hour": 4, "minute": 14, "second": 30}
